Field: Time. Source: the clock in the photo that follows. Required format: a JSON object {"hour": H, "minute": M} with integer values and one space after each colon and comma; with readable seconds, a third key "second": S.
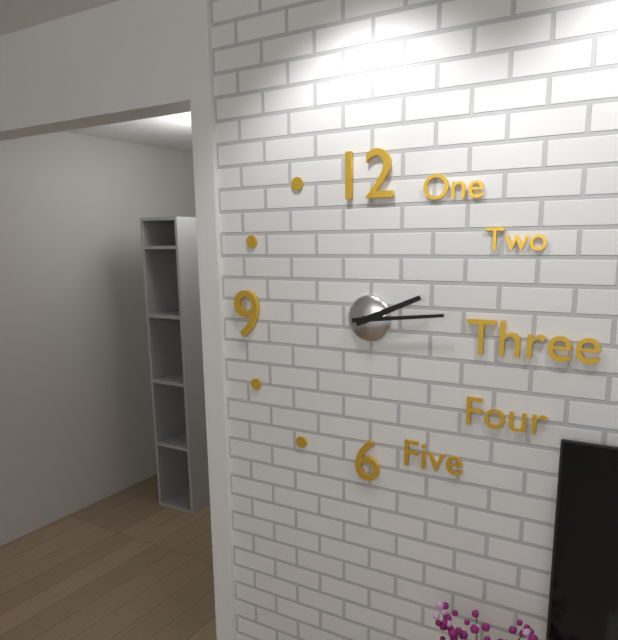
{"hour": 2, "minute": 14}
